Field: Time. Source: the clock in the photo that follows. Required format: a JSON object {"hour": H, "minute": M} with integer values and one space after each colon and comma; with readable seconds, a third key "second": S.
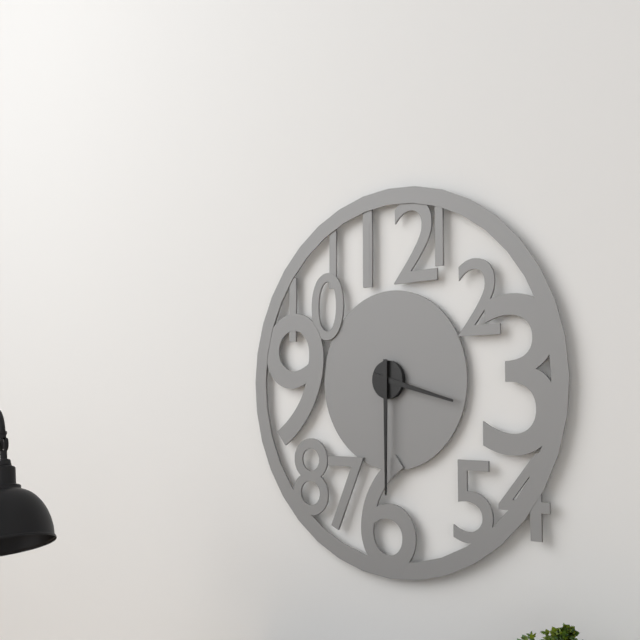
{"hour": 3, "minute": 30}
